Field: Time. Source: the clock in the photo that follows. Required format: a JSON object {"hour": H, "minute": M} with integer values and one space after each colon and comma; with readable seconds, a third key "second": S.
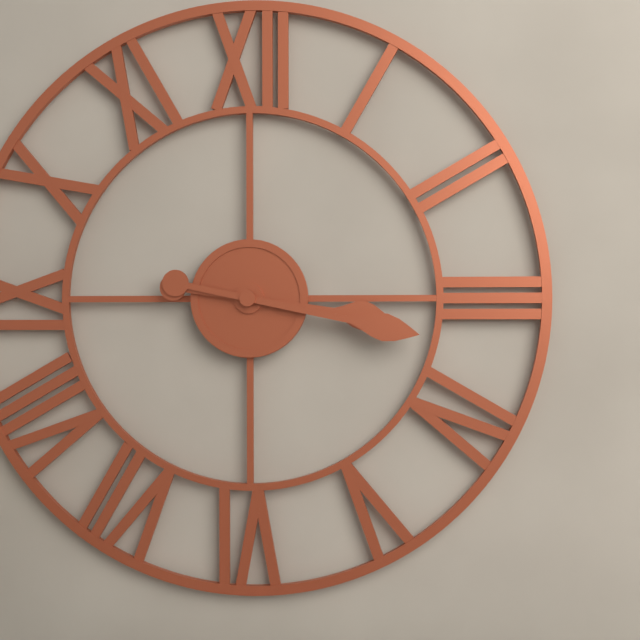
{"hour": 3, "minute": 17}
